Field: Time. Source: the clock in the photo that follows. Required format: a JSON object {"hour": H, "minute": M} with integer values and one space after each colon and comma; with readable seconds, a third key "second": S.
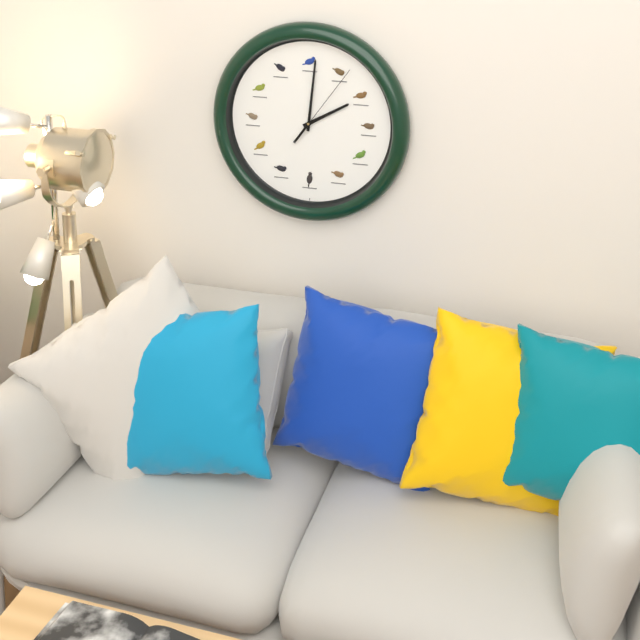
{"hour": 2, "minute": 1, "second": 6}
